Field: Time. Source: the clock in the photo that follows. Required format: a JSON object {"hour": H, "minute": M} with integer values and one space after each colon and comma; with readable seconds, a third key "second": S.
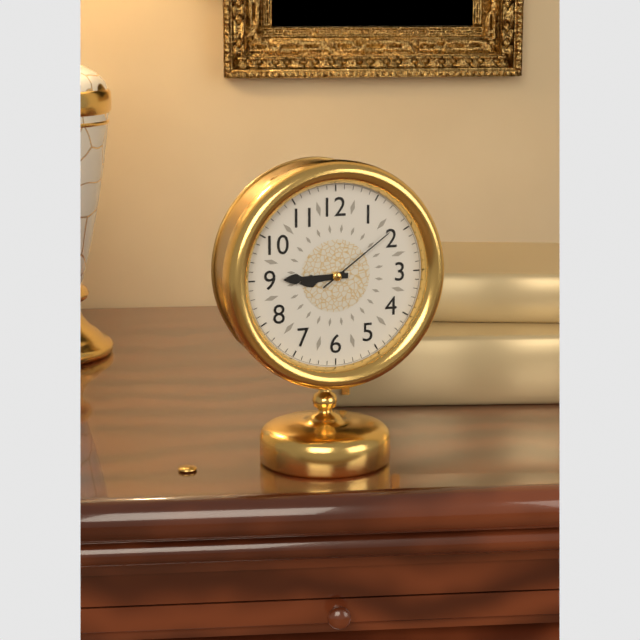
{"hour": 8, "minute": 45, "second": 9}
